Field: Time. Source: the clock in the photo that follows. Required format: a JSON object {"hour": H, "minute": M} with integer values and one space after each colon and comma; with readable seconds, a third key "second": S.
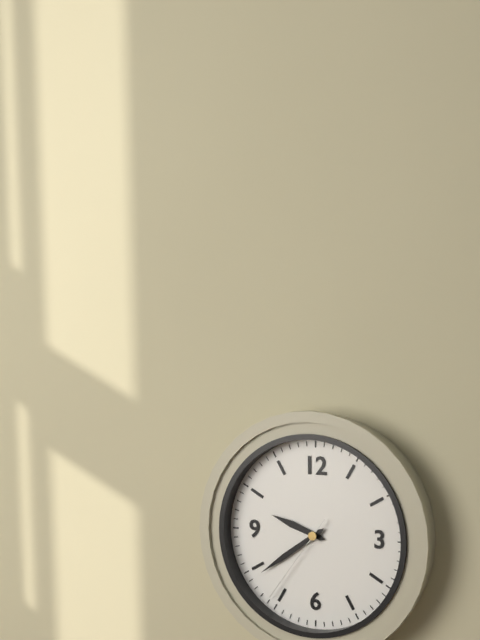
{"hour": 9, "minute": 39, "second": 36}
